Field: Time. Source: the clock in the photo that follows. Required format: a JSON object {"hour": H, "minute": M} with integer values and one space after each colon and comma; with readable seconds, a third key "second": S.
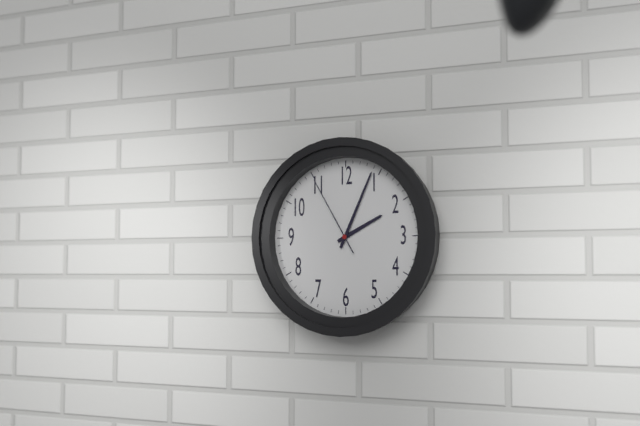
{"hour": 2, "minute": 4, "second": 55}
